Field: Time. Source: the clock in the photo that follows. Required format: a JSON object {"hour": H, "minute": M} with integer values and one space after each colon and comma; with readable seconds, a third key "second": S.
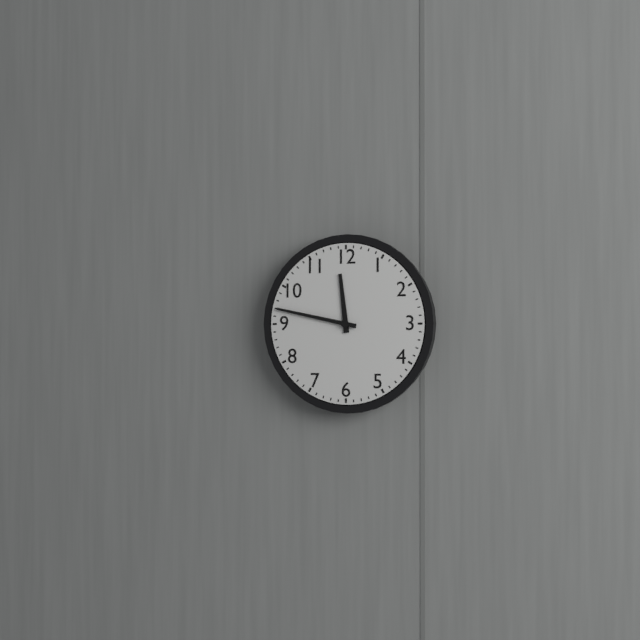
{"hour": 11, "minute": 47}
